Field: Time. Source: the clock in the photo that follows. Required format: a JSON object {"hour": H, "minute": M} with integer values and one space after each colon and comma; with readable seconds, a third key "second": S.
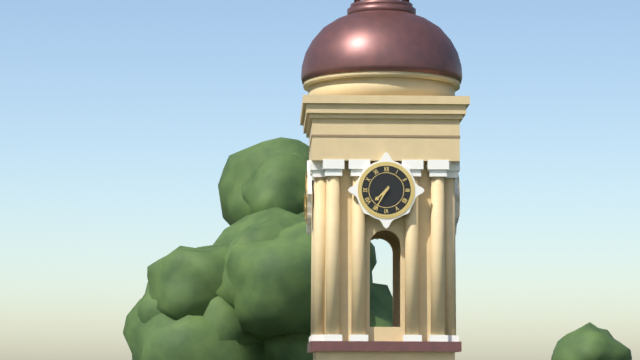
{"hour": 7, "minute": 35}
